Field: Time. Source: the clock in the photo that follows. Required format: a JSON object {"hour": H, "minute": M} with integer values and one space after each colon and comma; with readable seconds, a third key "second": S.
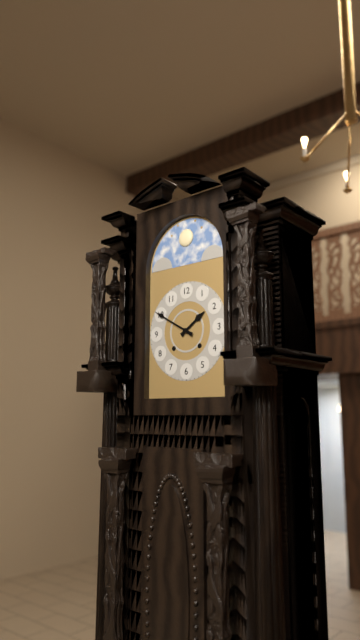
{"hour": 1, "minute": 50}
